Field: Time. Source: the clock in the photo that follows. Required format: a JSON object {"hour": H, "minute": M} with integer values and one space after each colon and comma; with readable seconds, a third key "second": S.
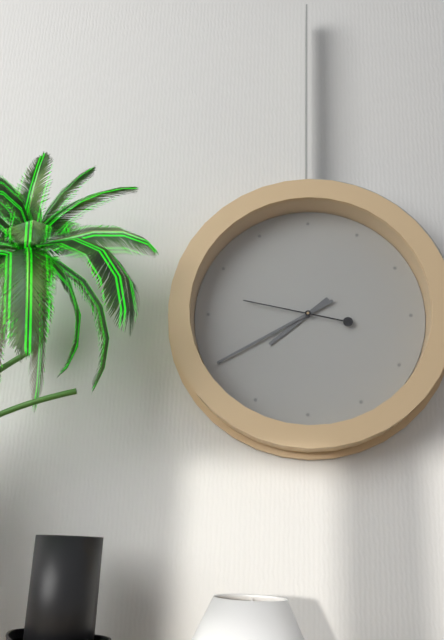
{"hour": 7, "minute": 40, "second": 47}
